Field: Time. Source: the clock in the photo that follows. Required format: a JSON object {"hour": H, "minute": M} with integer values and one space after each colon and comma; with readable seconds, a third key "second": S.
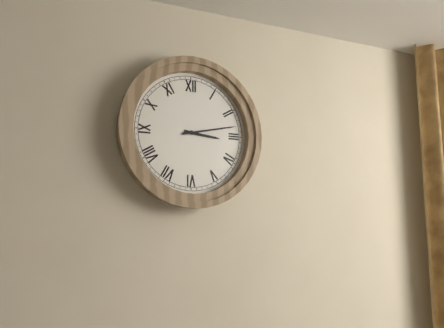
{"hour": 3, "minute": 13}
